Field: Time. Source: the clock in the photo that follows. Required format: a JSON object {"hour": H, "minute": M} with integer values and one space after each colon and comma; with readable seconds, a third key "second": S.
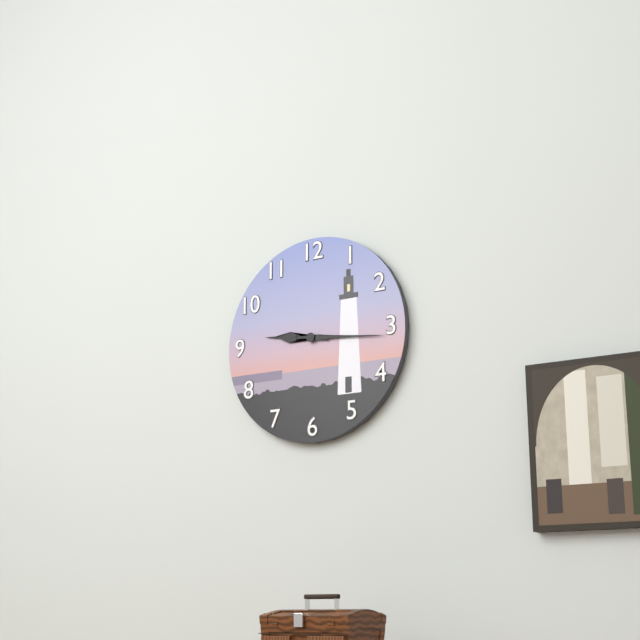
{"hour": 9, "minute": 16}
